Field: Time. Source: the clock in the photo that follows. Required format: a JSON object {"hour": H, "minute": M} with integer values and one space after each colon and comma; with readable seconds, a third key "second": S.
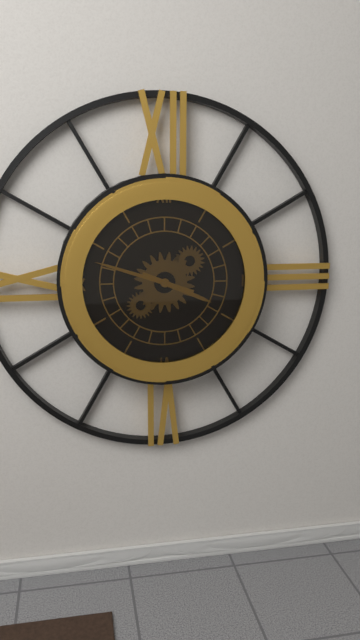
{"hour": 3, "minute": 48}
